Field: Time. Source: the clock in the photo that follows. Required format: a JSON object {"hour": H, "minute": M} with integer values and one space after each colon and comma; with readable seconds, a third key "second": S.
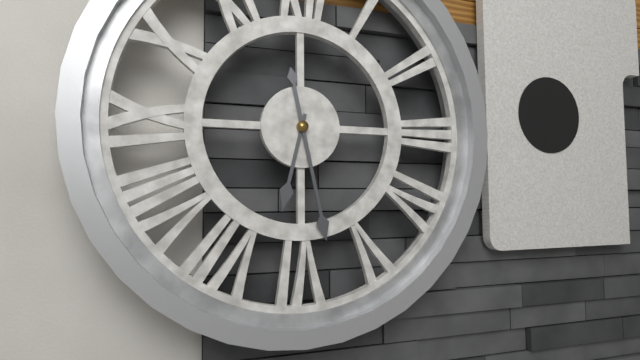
{"hour": 6, "minute": 28}
